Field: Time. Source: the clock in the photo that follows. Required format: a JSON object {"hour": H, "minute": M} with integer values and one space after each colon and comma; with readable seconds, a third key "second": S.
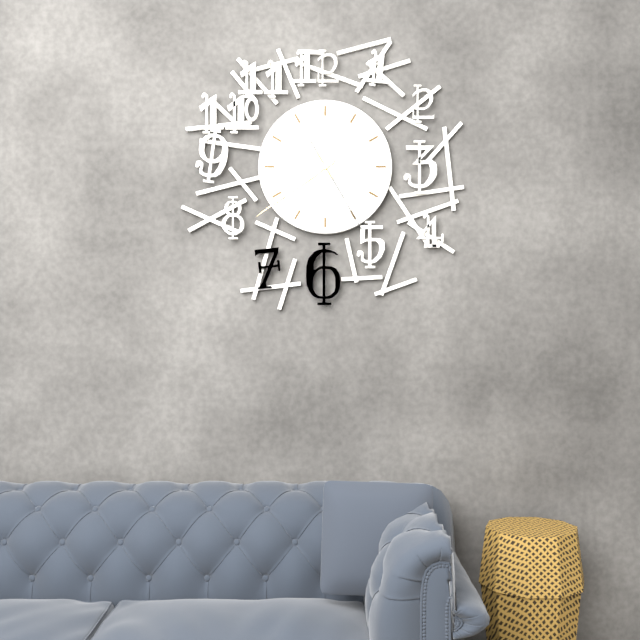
{"hour": 10, "minute": 39, "second": 25}
